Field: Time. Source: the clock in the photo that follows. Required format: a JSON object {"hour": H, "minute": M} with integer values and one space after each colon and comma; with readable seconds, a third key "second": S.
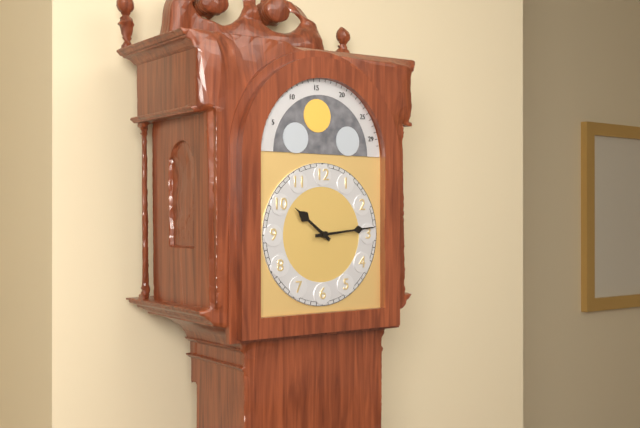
{"hour": 10, "minute": 14}
